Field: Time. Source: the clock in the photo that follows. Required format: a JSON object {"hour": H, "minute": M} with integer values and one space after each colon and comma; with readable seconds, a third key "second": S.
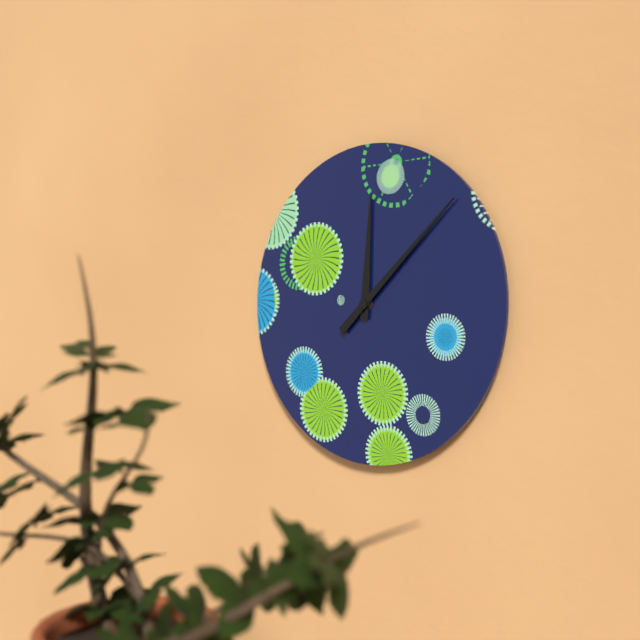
{"hour": 12, "minute": 8}
